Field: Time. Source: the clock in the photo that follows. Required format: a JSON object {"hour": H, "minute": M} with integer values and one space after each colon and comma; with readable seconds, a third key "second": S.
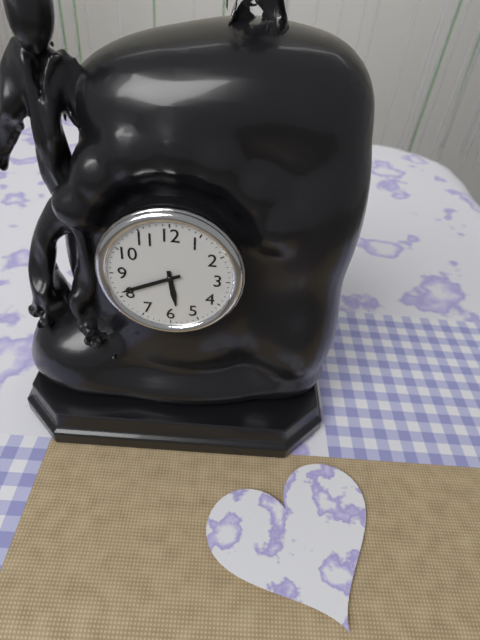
{"hour": 5, "minute": 41}
